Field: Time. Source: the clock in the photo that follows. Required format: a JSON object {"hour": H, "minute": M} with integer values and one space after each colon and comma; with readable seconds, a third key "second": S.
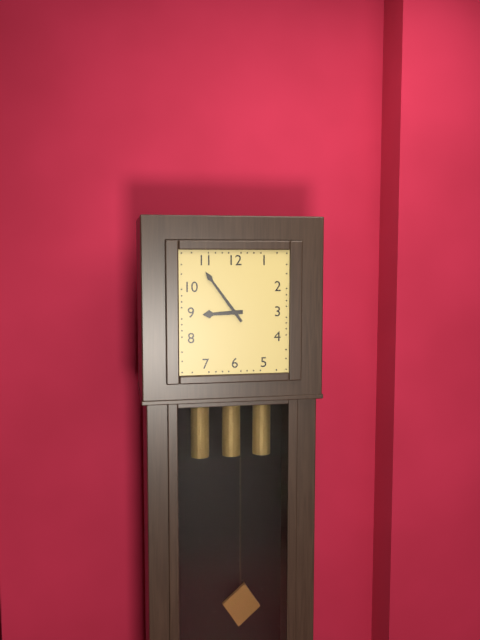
{"hour": 8, "minute": 54}
